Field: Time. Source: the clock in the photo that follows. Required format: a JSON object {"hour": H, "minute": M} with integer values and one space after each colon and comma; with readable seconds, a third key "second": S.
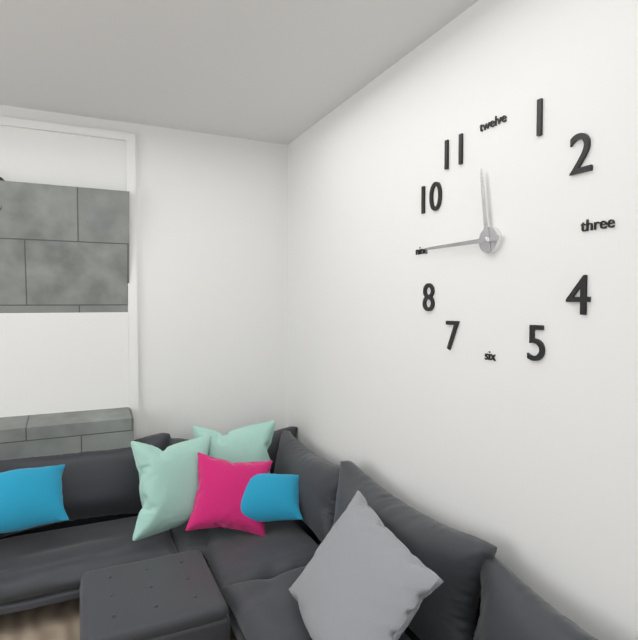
{"hour": 11, "minute": 45}
